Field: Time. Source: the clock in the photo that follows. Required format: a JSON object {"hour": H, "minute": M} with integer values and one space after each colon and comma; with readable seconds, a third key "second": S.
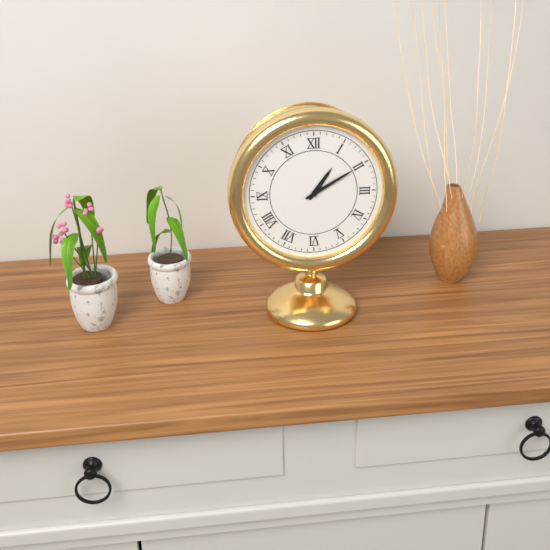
{"hour": 1, "minute": 10}
